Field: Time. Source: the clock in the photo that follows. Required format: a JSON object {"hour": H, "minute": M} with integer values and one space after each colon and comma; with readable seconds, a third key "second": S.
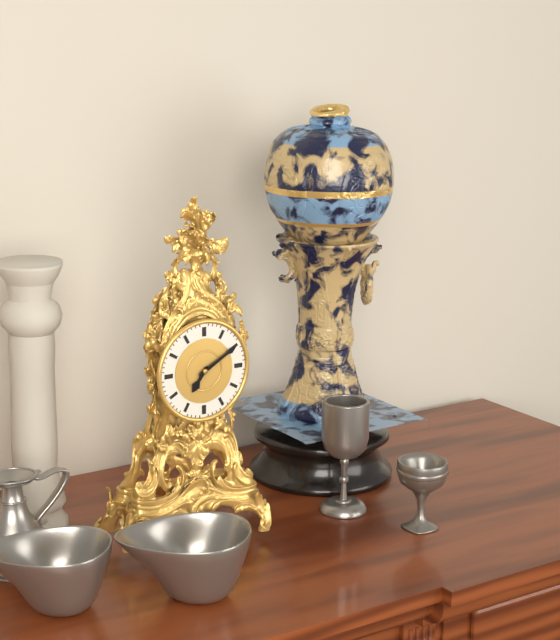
{"hour": 7, "minute": 10}
